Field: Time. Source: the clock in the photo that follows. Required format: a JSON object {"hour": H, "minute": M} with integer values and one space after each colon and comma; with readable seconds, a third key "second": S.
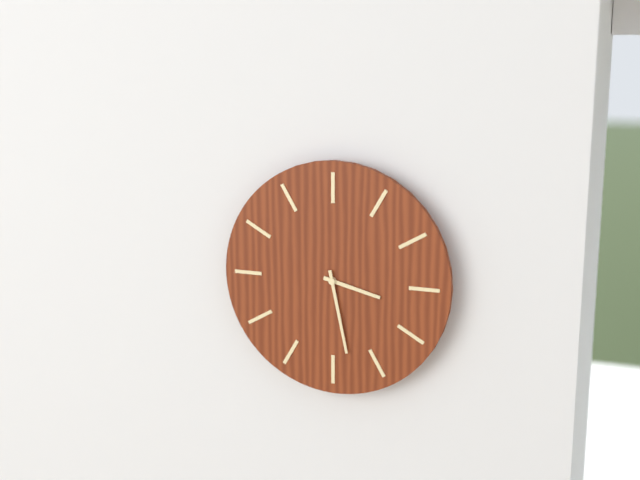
{"hour": 3, "minute": 28}
